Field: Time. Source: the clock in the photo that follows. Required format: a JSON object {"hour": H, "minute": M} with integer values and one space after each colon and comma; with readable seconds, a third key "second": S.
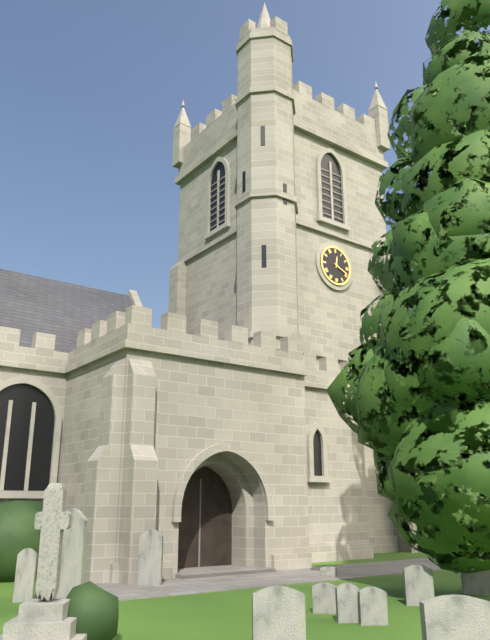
{"hour": 12, "minute": 19}
